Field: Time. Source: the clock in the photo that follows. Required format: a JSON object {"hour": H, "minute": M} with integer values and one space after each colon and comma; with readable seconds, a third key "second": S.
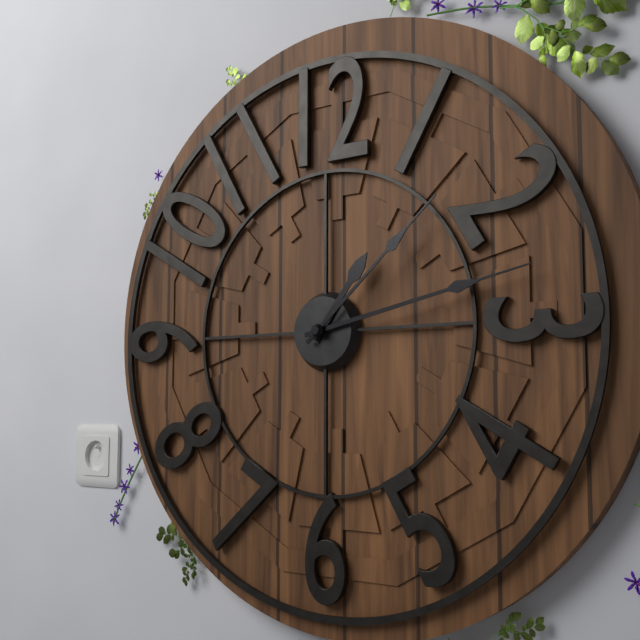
{"hour": 1, "minute": 13, "second": 8}
